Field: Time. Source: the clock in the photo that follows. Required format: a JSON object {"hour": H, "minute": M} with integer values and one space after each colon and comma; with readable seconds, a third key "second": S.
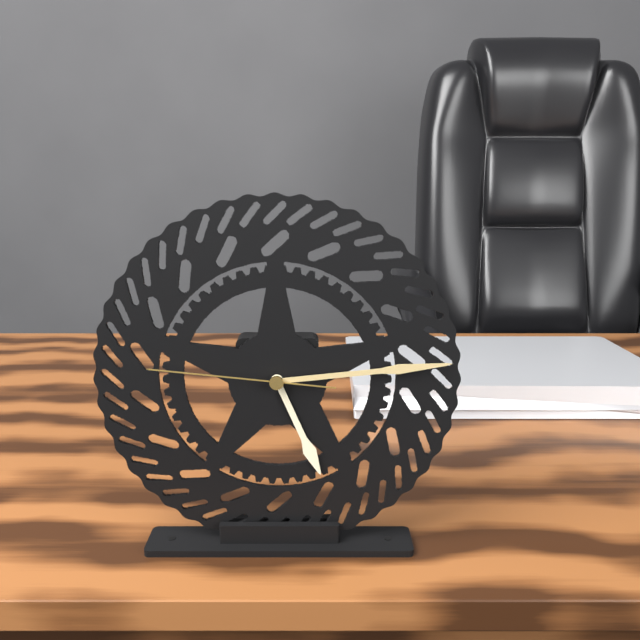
{"hour": 5, "minute": 14, "second": 46}
